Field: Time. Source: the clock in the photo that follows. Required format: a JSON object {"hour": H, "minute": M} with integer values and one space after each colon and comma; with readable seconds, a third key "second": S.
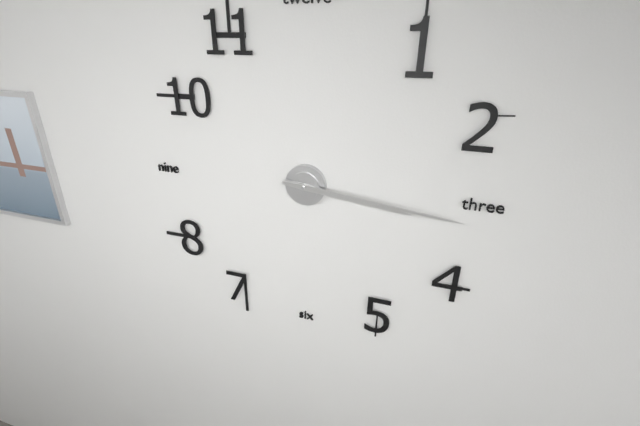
{"hour": 3, "minute": 16}
